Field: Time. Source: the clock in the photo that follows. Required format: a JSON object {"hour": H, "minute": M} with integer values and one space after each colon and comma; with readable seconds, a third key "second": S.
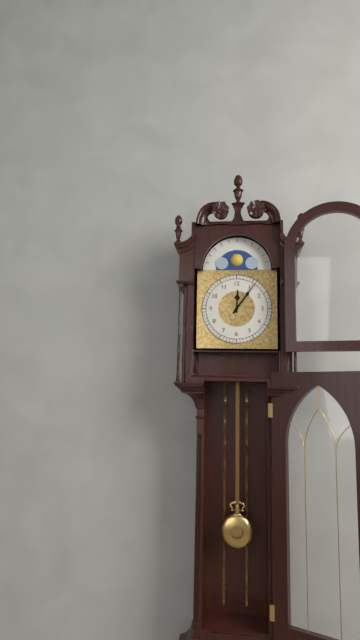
{"hour": 12, "minute": 6}
